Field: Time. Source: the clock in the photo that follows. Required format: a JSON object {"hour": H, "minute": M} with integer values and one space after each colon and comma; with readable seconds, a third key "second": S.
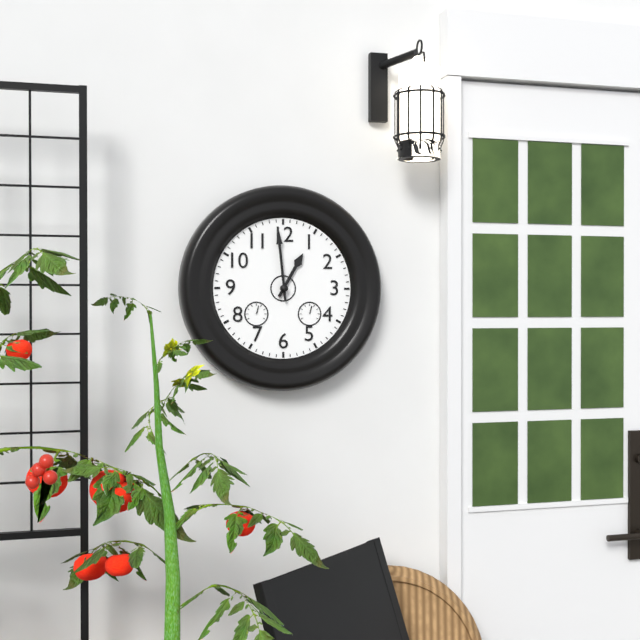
{"hour": 12, "minute": 59}
